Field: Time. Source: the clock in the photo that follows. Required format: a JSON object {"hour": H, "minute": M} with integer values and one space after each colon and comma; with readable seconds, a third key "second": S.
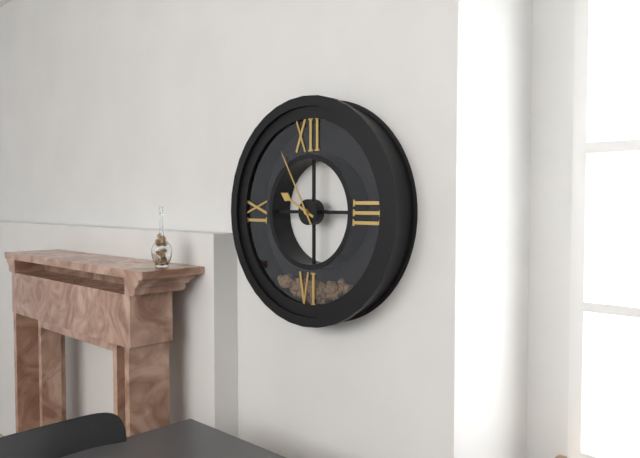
{"hour": 9, "minute": 55}
